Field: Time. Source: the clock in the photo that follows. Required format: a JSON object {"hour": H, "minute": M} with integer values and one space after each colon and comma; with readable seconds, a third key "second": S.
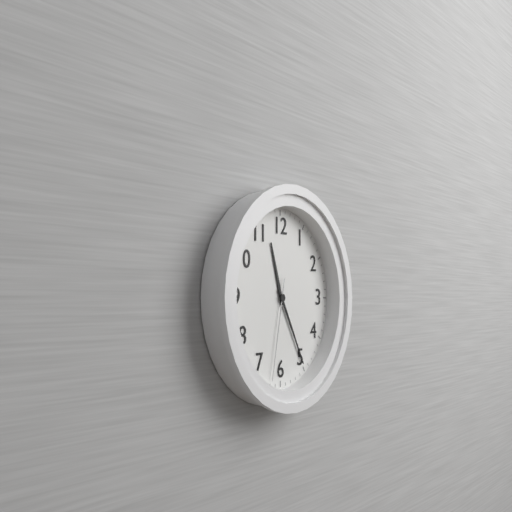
{"hour": 11, "minute": 25, "second": 32}
